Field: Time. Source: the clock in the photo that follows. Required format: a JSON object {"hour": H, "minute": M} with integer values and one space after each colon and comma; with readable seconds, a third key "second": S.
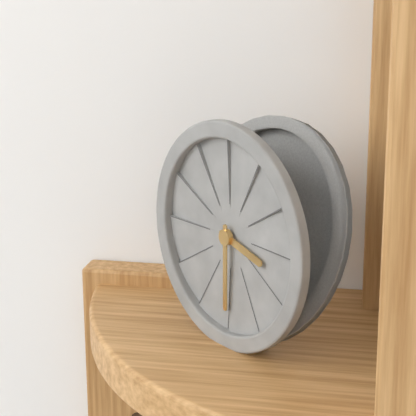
{"hour": 3, "minute": 30}
